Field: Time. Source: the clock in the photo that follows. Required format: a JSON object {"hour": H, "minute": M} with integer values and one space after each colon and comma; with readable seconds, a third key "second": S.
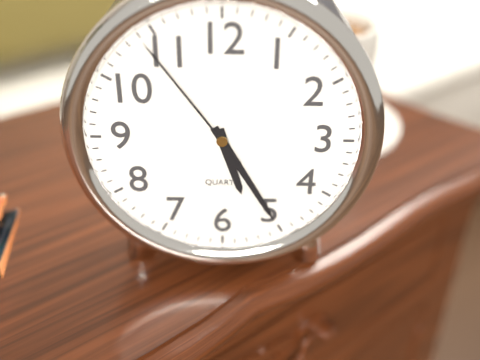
{"hour": 5, "minute": 25, "second": 54}
